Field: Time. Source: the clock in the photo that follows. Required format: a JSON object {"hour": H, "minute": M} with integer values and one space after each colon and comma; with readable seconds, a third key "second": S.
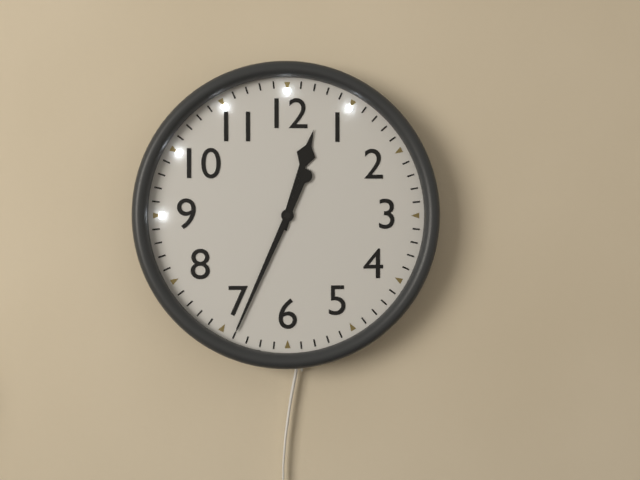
{"hour": 12, "minute": 34}
